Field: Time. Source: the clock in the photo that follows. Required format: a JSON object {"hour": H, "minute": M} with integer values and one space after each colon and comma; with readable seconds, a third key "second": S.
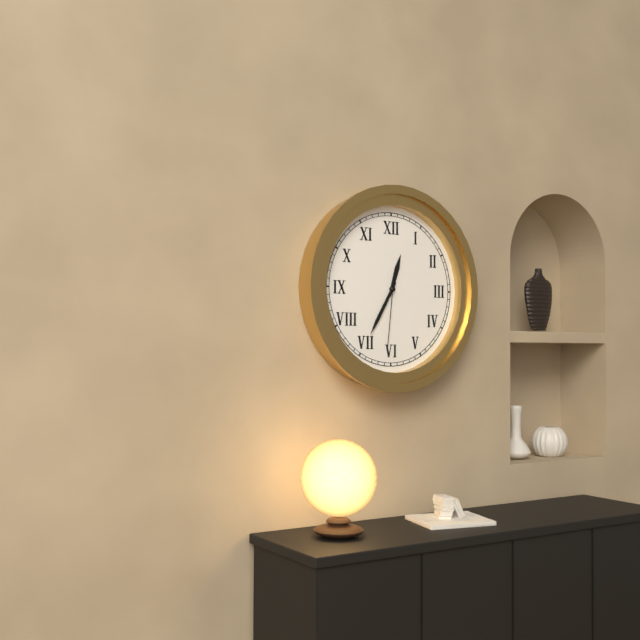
{"hour": 12, "minute": 35, "second": 31}
